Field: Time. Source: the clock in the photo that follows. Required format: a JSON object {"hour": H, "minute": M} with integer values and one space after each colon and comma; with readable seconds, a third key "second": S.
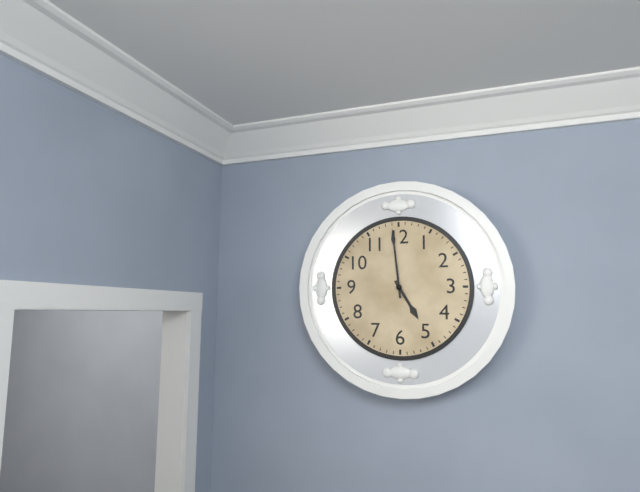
{"hour": 4, "minute": 59}
